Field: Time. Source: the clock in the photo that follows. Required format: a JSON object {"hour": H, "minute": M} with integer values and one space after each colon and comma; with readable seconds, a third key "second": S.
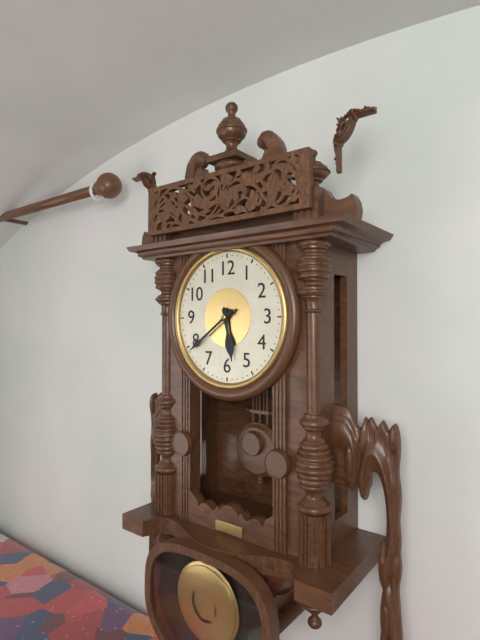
{"hour": 5, "minute": 39}
